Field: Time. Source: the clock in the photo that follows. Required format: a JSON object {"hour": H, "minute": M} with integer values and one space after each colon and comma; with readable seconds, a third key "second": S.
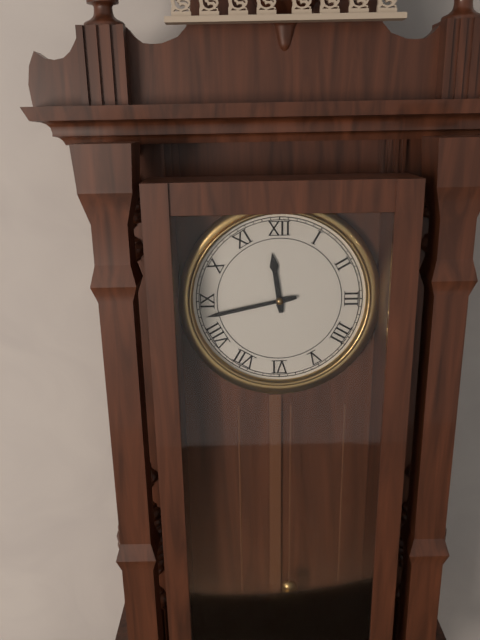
{"hour": 11, "minute": 43}
